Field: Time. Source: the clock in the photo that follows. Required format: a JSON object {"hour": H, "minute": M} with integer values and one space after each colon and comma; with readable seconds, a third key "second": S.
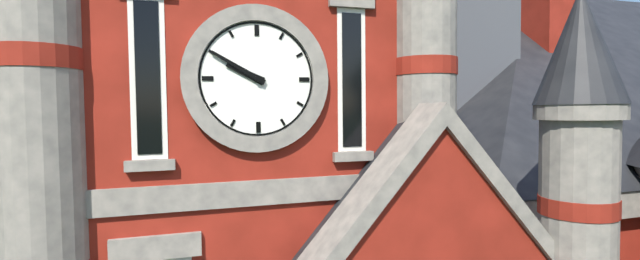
{"hour": 9, "minute": 50}
